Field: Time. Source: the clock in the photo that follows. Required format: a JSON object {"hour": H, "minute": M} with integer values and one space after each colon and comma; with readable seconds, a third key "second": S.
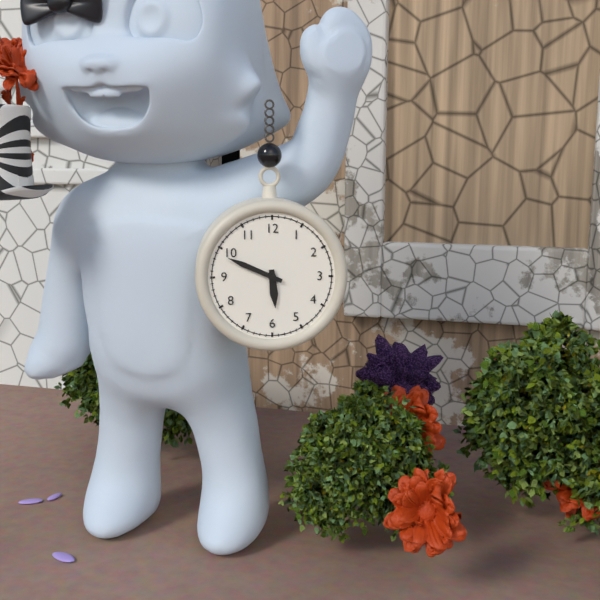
{"hour": 5, "minute": 49}
